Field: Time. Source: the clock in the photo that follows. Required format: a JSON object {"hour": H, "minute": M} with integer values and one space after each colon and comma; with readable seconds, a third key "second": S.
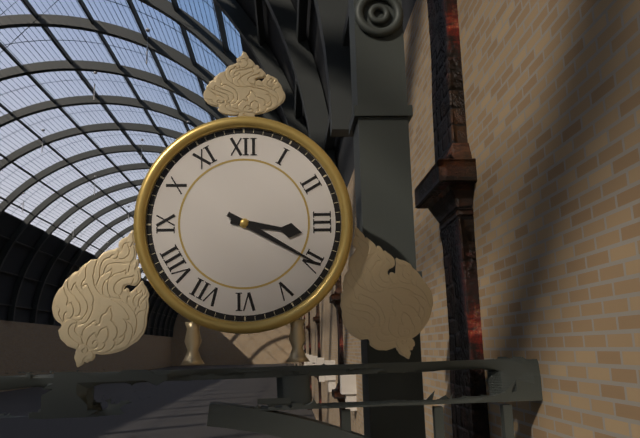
{"hour": 3, "minute": 20}
